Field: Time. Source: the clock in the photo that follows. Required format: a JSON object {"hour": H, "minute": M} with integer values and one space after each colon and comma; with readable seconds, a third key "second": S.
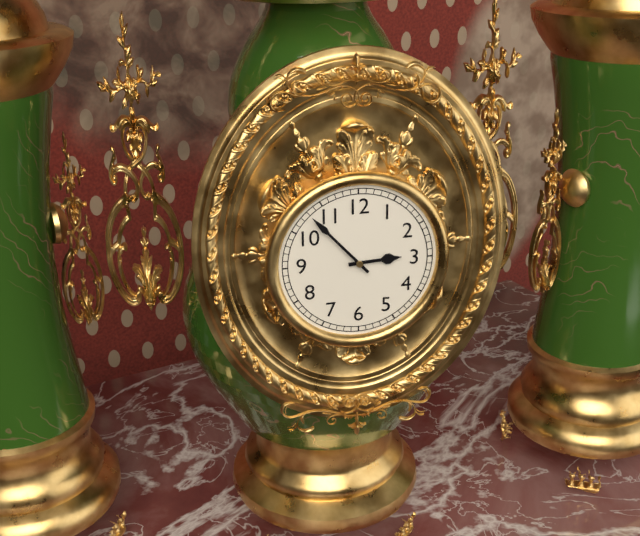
{"hour": 2, "minute": 53}
